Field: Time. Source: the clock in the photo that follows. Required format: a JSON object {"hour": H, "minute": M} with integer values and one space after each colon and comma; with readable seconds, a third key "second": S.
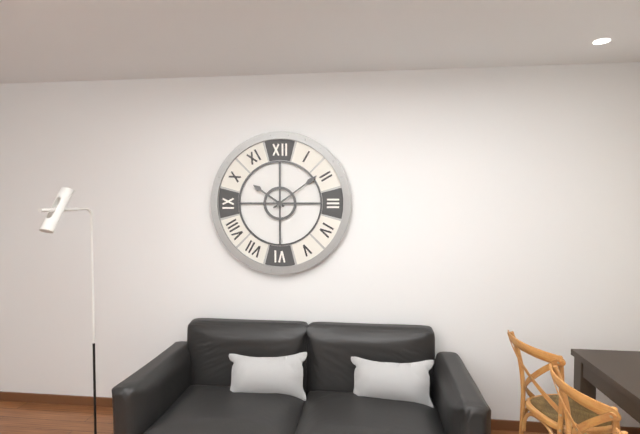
{"hour": 10, "minute": 9}
